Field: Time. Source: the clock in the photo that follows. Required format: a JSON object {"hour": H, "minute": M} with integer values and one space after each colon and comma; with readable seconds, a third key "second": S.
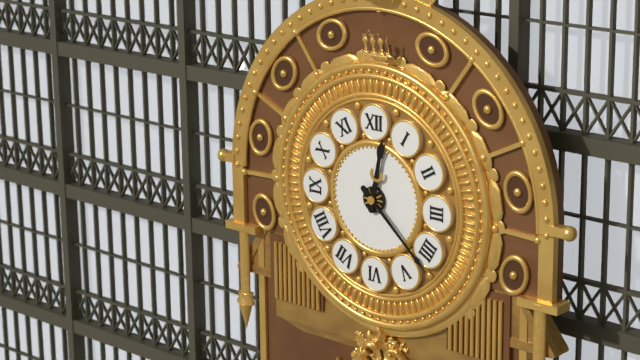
{"hour": 12, "minute": 22}
